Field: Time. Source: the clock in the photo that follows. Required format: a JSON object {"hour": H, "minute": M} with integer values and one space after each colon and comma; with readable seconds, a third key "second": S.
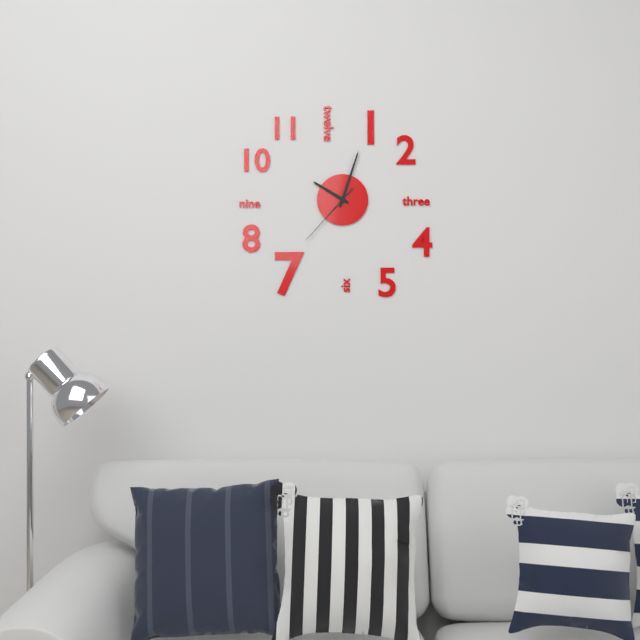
{"hour": 10, "minute": 3, "second": 37}
